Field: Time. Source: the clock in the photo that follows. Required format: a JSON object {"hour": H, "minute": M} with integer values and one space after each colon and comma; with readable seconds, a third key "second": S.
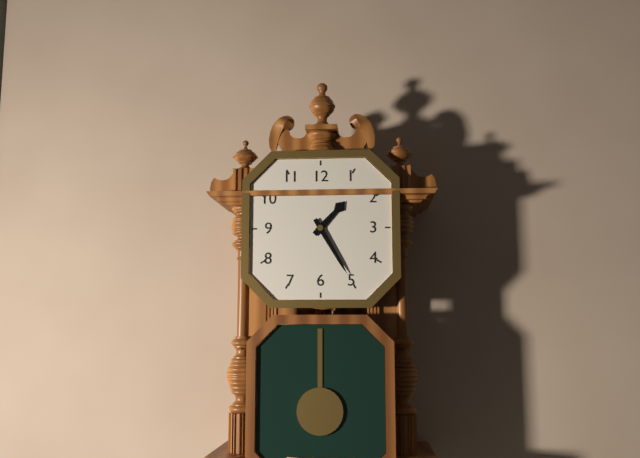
{"hour": 1, "minute": 25}
